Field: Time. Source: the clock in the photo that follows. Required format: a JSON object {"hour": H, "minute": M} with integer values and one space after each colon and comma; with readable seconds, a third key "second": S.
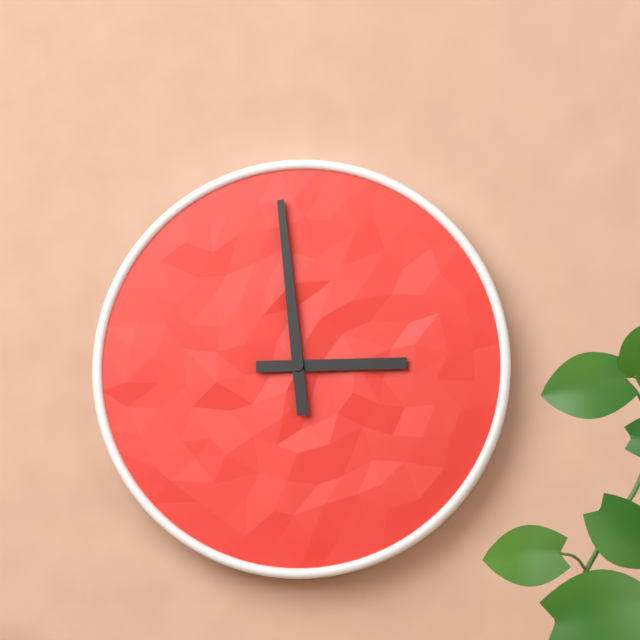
{"hour": 2, "minute": 59}
